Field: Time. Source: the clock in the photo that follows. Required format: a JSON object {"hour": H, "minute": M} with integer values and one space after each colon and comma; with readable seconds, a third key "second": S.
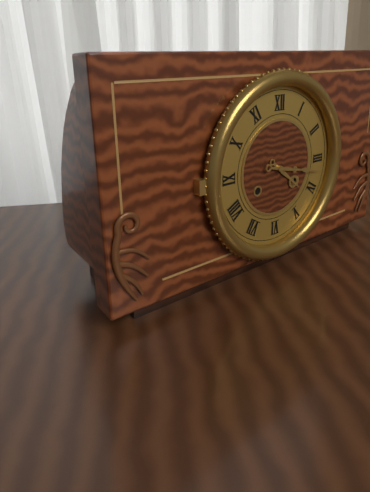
{"hour": 4, "minute": 17}
